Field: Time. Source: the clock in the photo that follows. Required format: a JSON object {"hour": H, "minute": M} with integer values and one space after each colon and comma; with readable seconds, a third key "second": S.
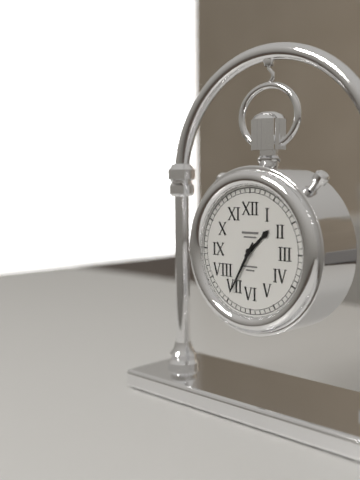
{"hour": 1, "minute": 35}
